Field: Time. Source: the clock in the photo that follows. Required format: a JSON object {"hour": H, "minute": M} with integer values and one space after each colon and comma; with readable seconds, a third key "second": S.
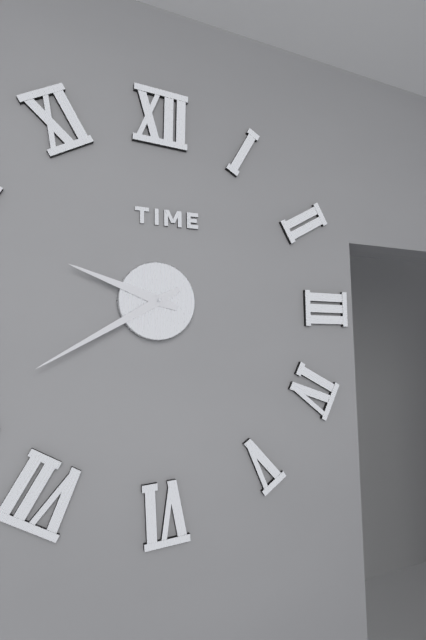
{"hour": 9, "minute": 40}
